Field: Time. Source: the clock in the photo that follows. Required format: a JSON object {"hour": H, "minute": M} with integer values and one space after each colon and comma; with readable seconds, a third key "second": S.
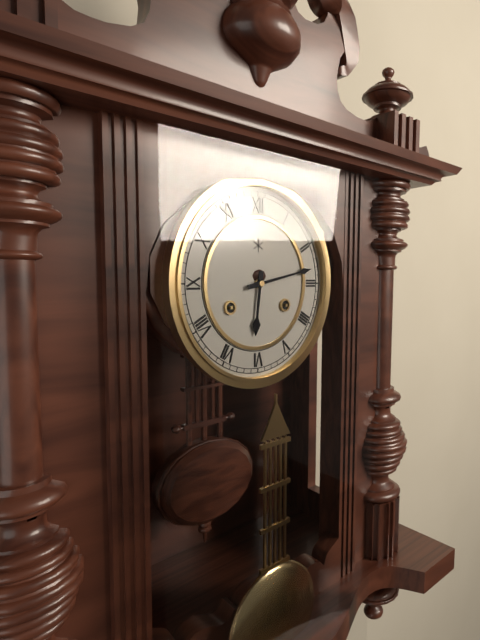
{"hour": 6, "minute": 13}
